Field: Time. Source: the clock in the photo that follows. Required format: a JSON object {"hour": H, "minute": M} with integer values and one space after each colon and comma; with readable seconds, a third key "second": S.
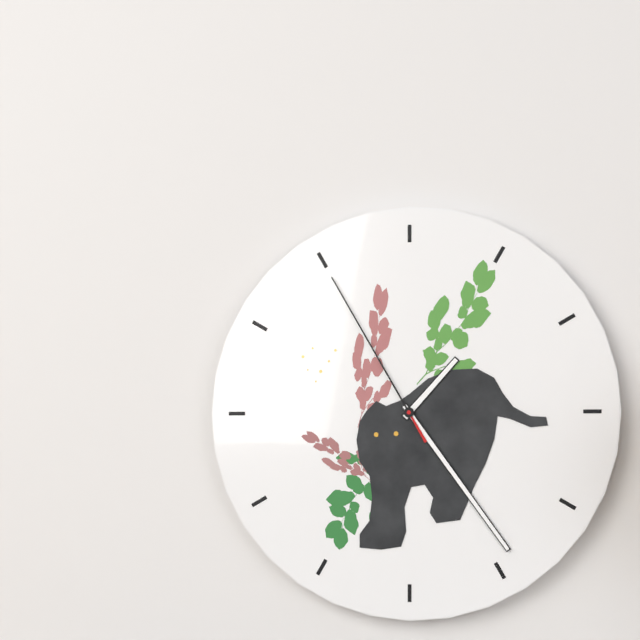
{"hour": 1, "minute": 24, "second": 55}
